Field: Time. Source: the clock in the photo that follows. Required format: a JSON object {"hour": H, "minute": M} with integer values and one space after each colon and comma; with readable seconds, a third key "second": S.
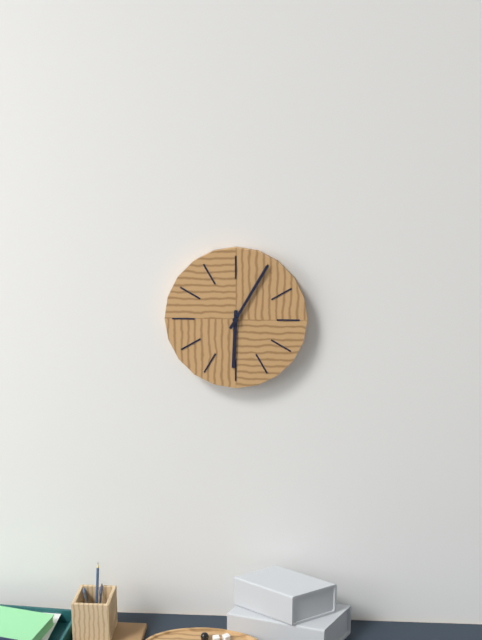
{"hour": 6, "minute": 5}
